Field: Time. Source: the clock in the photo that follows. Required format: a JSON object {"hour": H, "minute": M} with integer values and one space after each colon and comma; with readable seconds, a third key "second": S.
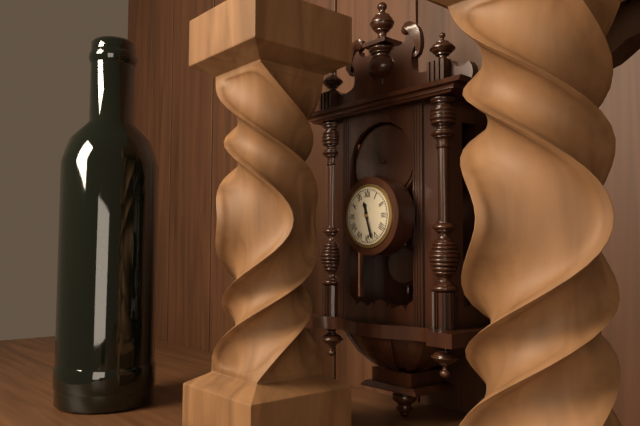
{"hour": 11, "minute": 27}
